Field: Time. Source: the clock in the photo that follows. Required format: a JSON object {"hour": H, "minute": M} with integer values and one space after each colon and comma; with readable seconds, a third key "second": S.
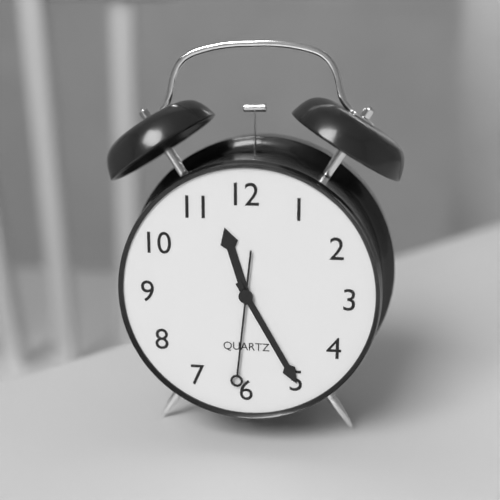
{"hour": 11, "minute": 25, "second": 31}
